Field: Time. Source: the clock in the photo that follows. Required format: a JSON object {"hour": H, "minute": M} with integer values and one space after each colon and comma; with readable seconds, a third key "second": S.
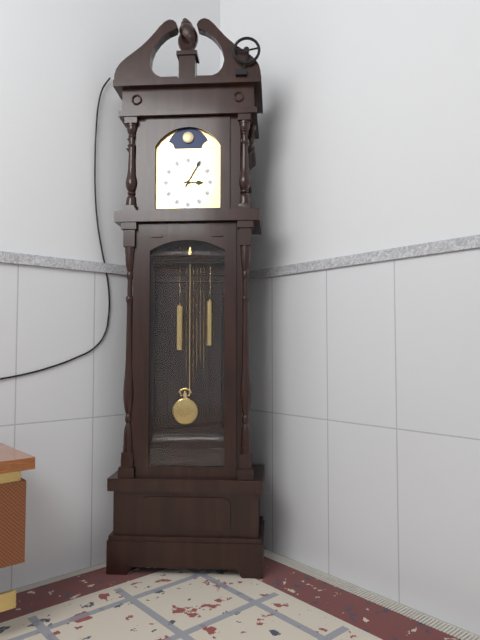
{"hour": 3, "minute": 5}
